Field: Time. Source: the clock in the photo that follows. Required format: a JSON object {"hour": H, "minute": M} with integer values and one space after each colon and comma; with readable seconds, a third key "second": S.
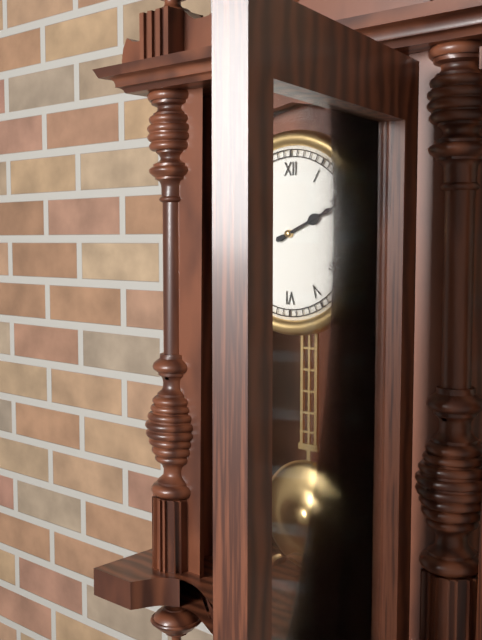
{"hour": 2, "minute": 11}
